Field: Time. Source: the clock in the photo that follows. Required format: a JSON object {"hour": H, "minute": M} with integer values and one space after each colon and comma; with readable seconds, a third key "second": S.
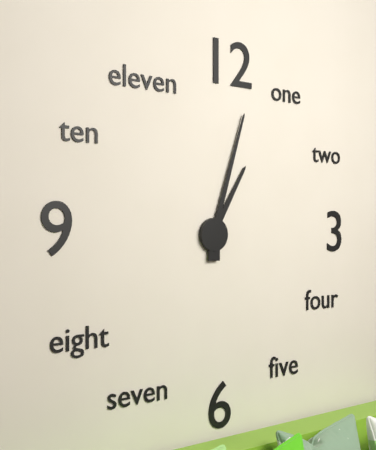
{"hour": 1, "minute": 3}
